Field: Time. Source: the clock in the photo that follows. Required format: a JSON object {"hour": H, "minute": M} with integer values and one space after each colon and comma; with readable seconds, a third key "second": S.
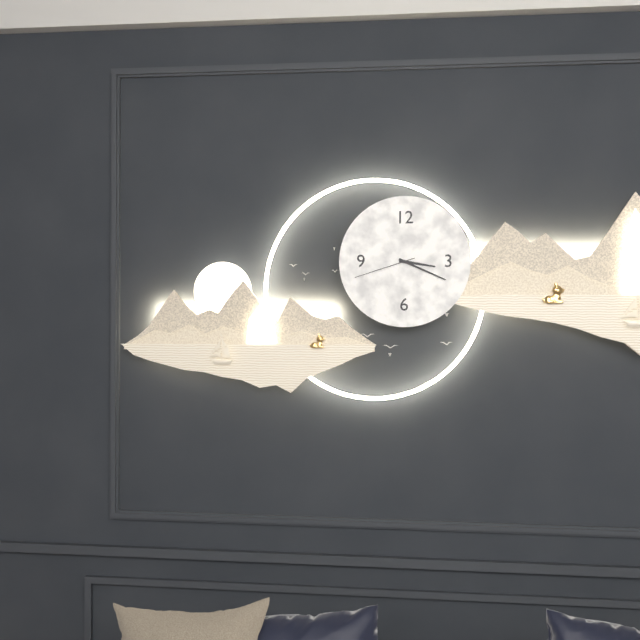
{"hour": 3, "minute": 19, "second": 42}
